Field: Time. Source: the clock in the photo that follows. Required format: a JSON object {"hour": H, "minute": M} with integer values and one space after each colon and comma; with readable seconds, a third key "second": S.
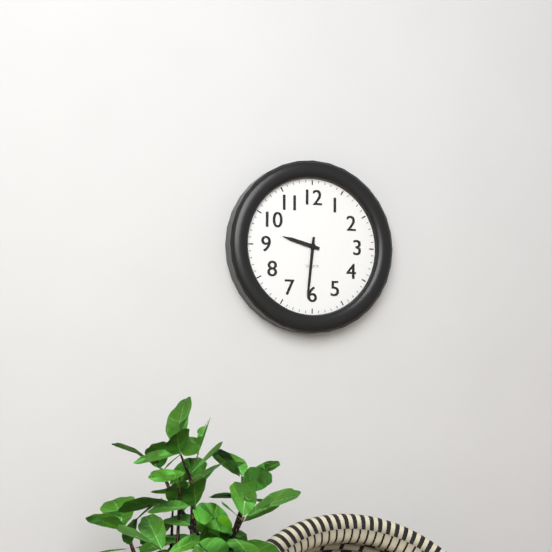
{"hour": 9, "minute": 31}
